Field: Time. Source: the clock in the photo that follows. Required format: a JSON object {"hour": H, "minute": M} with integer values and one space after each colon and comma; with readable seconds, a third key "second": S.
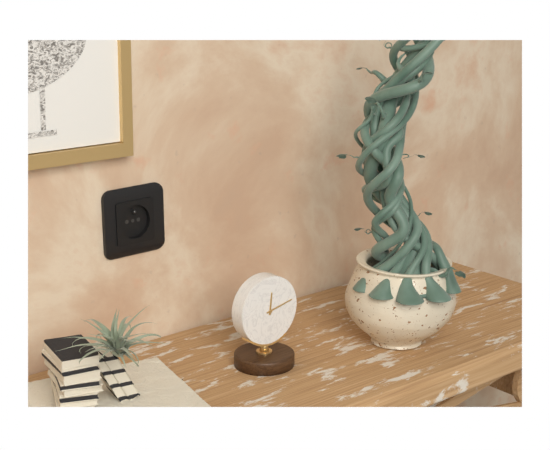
{"hour": 12, "minute": 13}
